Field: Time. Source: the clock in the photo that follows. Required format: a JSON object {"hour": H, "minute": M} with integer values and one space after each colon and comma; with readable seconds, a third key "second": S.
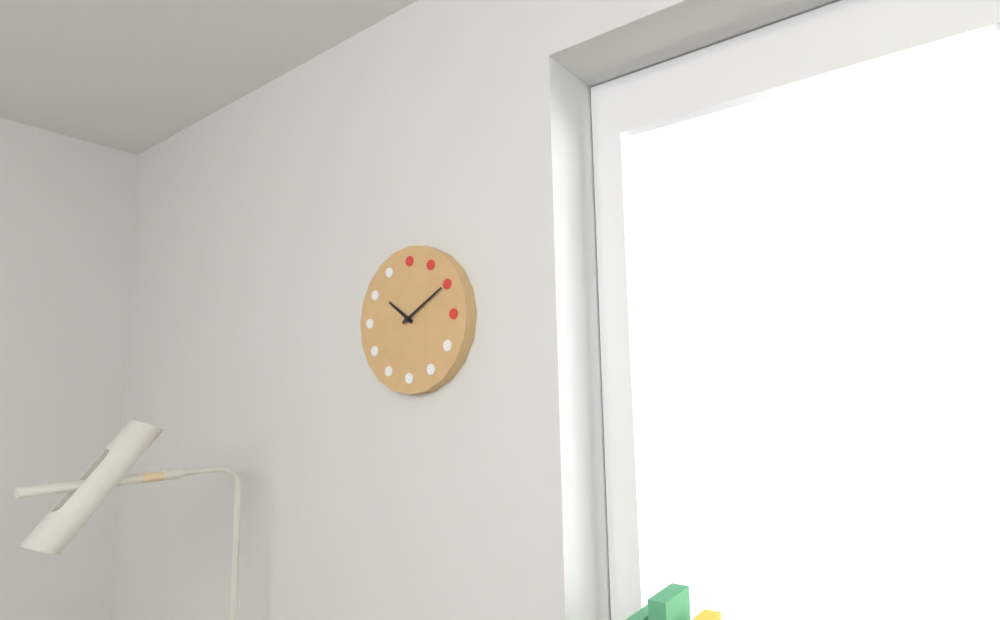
{"hour": 10, "minute": 10}
